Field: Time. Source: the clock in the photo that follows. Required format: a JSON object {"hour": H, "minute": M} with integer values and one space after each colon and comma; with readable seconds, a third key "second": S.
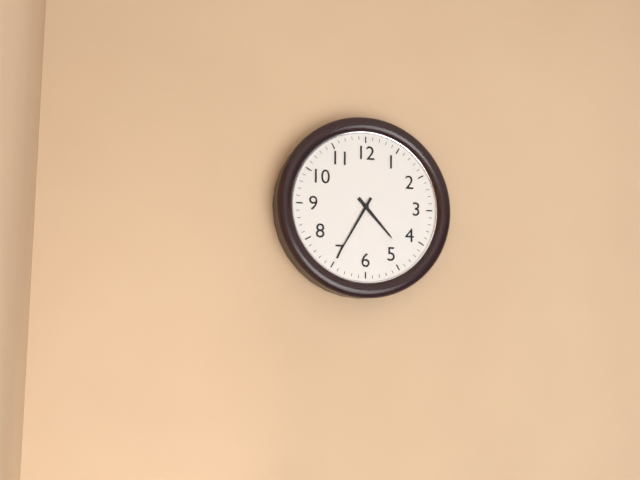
{"hour": 4, "minute": 35}
